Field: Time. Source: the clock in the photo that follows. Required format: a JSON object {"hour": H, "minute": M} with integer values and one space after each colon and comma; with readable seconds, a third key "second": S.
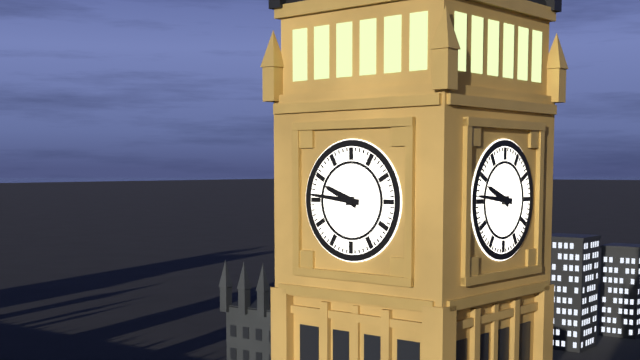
{"hour": 9, "minute": 46}
